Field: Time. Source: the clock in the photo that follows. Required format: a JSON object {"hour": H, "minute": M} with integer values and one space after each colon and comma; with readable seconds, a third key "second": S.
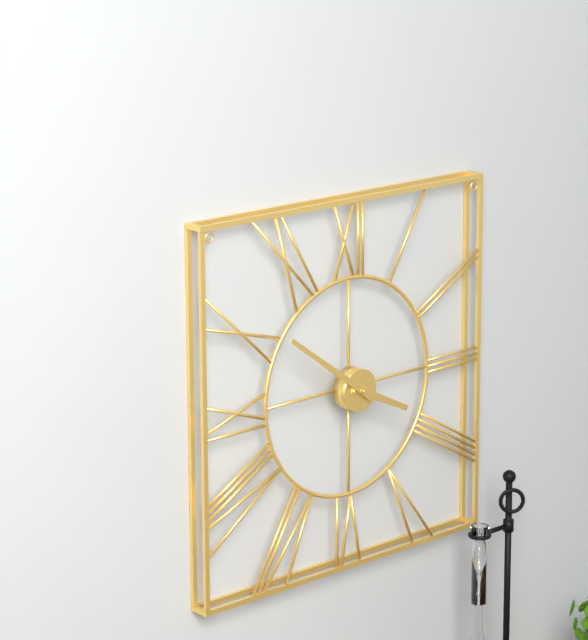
{"hour": 3, "minute": 51}
